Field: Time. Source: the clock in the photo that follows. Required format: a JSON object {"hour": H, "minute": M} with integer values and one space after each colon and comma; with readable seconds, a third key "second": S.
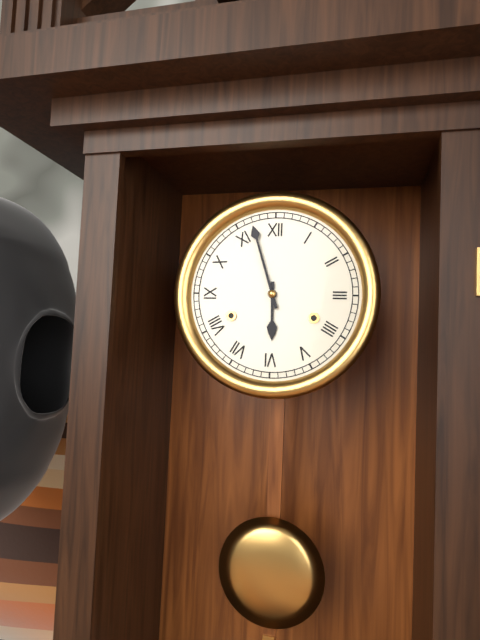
{"hour": 5, "minute": 57}
